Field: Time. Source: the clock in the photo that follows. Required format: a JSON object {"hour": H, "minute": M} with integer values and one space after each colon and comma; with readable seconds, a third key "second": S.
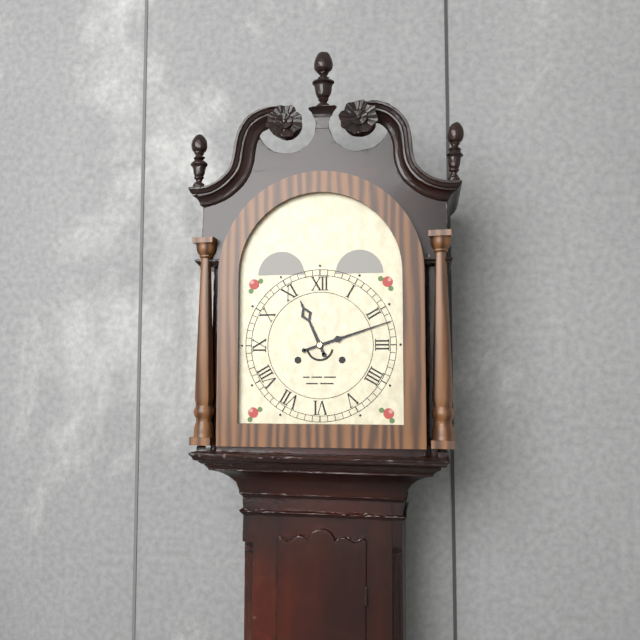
{"hour": 11, "minute": 12}
